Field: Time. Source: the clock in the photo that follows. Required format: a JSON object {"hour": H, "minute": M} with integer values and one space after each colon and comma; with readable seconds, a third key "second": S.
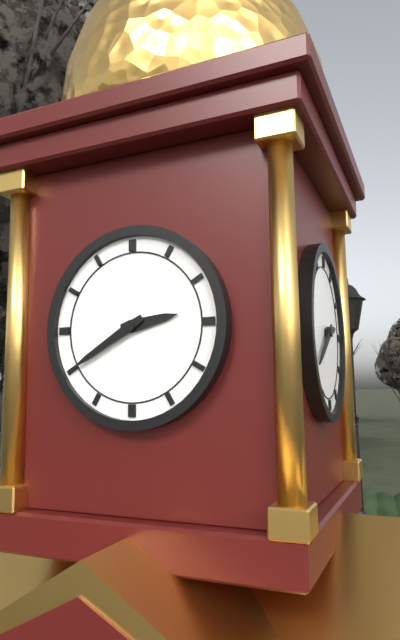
{"hour": 2, "minute": 40}
